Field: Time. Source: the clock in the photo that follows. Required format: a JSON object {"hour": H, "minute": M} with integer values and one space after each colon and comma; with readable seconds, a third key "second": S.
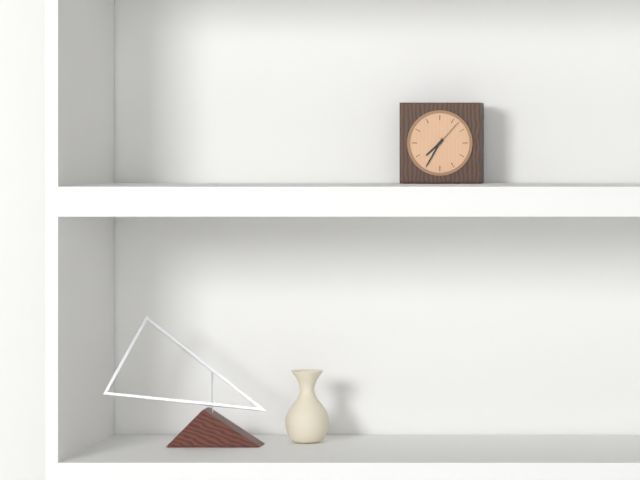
{"hour": 7, "minute": 35}
